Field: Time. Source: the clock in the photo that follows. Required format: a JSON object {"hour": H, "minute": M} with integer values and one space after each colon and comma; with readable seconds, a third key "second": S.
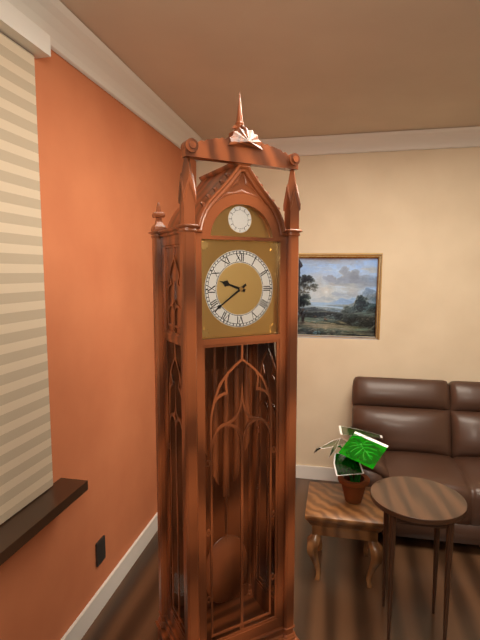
{"hour": 9, "minute": 39}
